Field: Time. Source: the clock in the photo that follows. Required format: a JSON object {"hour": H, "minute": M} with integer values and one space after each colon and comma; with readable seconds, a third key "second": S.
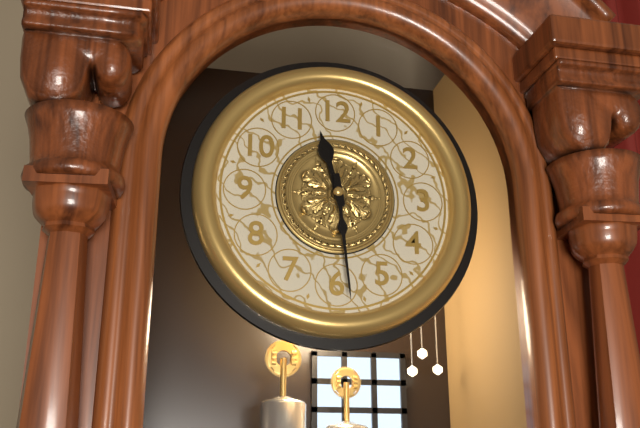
{"hour": 11, "minute": 29}
